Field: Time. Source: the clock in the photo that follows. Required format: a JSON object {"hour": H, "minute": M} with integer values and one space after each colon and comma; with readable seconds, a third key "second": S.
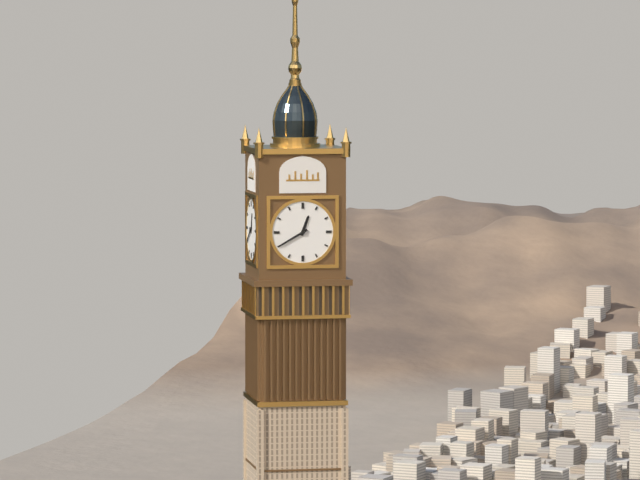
{"hour": 12, "minute": 40}
